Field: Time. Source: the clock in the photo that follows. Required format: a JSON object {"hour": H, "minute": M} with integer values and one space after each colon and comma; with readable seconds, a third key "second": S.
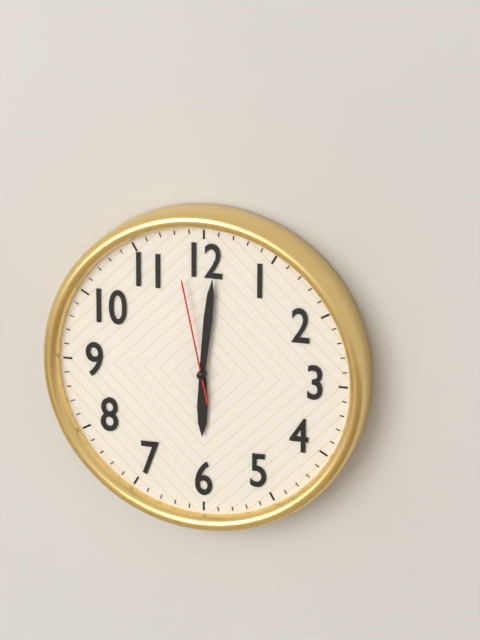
{"hour": 6, "minute": 1, "second": 58}
